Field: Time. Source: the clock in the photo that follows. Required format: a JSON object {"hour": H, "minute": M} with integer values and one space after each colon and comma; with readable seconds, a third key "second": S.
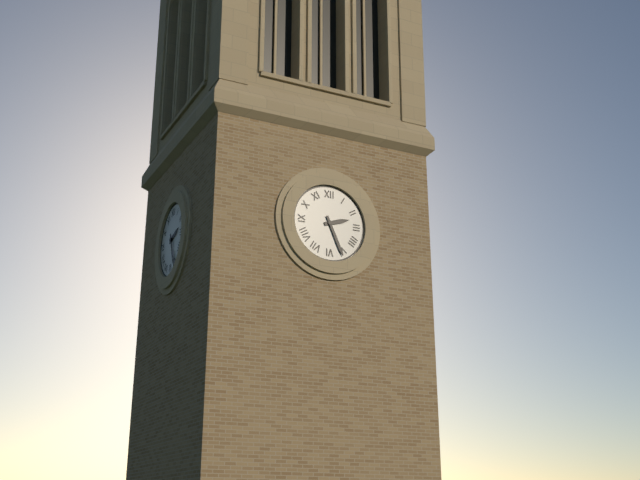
{"hour": 2, "minute": 26}
